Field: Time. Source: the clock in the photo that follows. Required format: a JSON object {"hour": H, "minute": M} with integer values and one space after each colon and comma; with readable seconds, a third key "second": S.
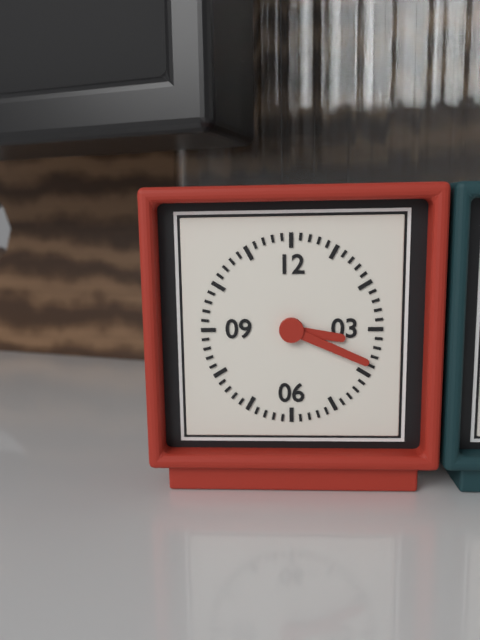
{"hour": 3, "minute": 19}
